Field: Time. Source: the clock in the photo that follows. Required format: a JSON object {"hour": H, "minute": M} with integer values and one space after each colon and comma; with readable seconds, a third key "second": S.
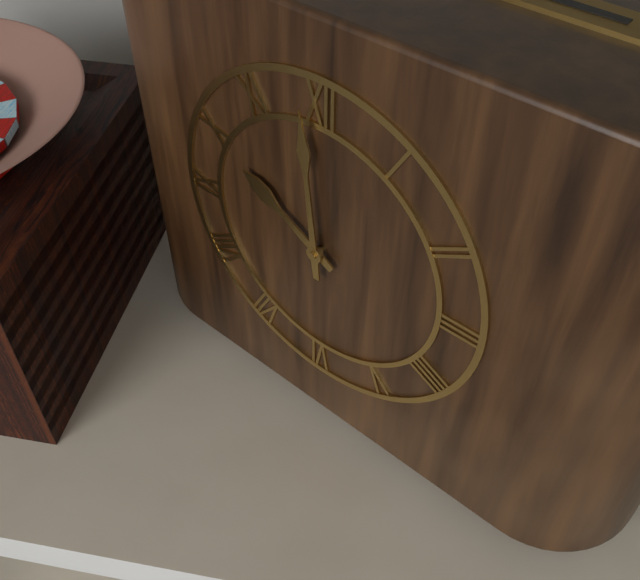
{"hour": 9, "minute": 59}
